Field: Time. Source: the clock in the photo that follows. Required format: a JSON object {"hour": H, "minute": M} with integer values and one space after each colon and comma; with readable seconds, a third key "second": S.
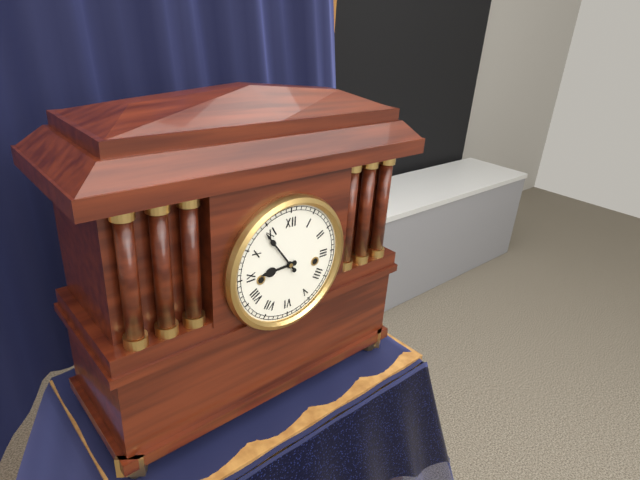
{"hour": 8, "minute": 54}
